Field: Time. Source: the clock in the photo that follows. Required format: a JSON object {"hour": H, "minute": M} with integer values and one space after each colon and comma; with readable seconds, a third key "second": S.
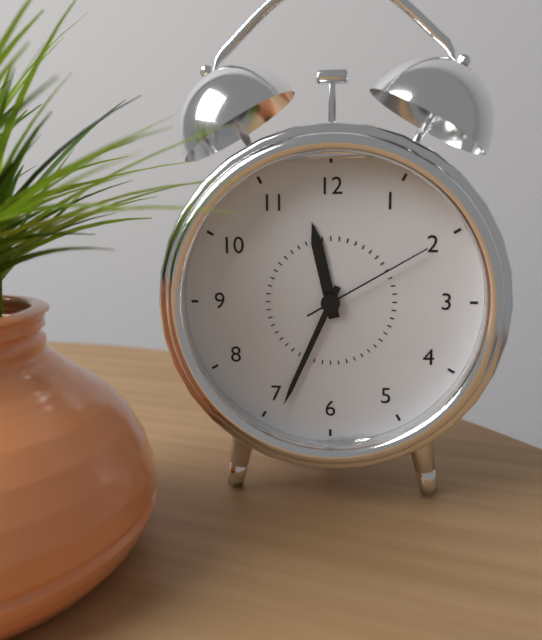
{"hour": 11, "minute": 34, "second": 10}
